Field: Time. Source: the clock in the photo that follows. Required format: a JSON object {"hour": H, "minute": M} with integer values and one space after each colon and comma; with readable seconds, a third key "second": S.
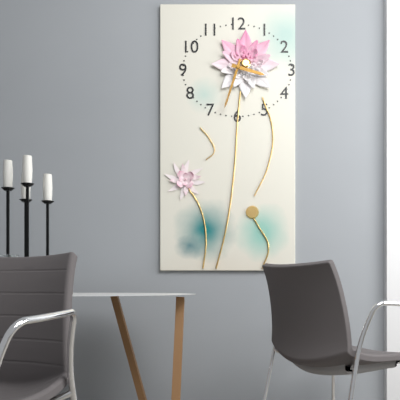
{"hour": 3, "minute": 33}
